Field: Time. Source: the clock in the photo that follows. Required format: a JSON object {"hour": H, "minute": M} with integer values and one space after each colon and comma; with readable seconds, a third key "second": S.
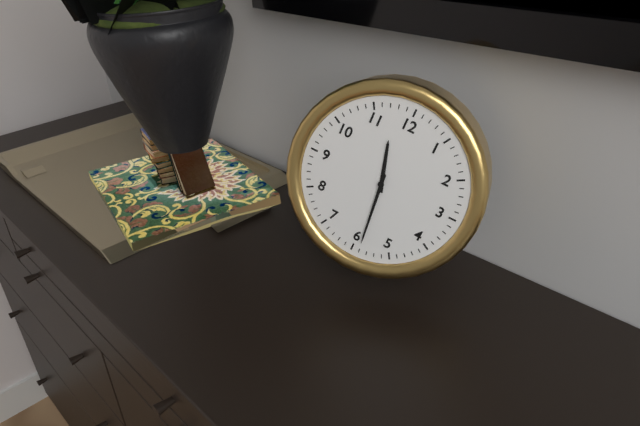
{"hour": 11, "minute": 29}
